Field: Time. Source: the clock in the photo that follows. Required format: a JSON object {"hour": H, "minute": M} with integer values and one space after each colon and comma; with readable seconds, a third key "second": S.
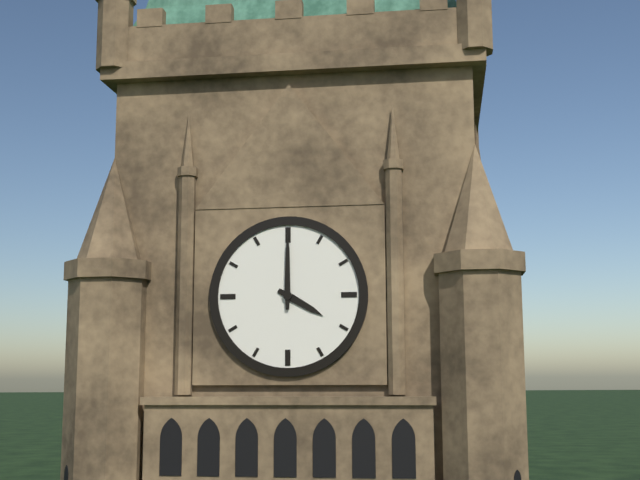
{"hour": 4, "minute": 0}
